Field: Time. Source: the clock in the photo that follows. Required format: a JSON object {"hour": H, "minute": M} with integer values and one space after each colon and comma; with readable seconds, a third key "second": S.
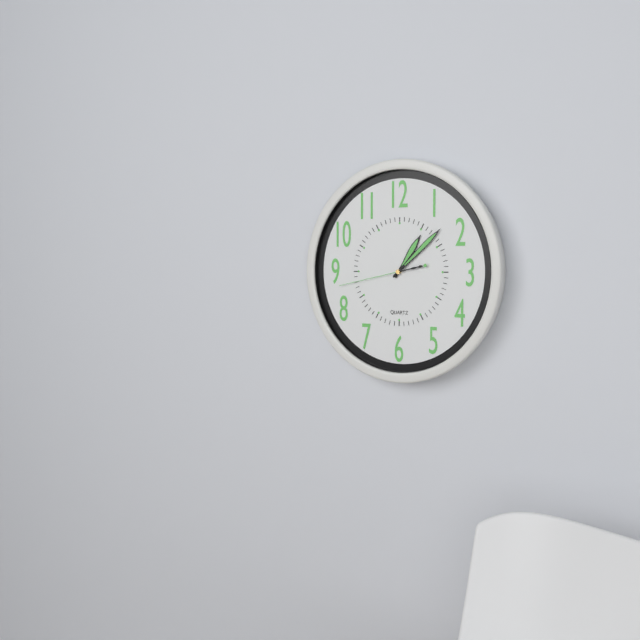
{"hour": 1, "minute": 8, "second": 43}
